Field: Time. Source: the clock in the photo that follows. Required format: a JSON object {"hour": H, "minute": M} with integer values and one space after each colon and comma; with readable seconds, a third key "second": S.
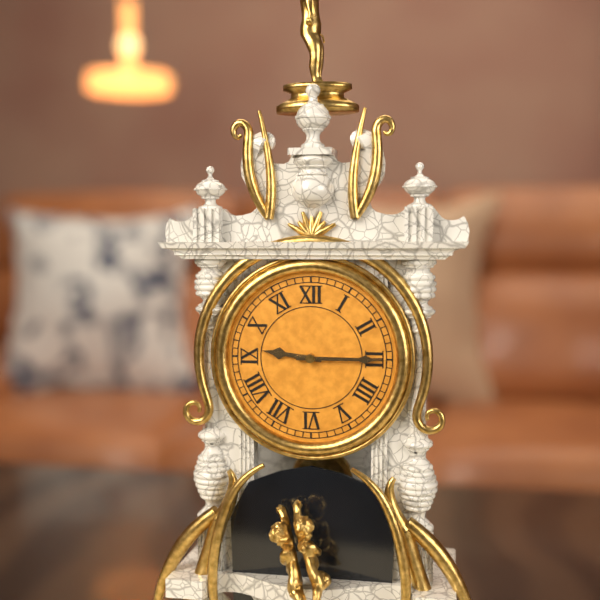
{"hour": 9, "minute": 15}
